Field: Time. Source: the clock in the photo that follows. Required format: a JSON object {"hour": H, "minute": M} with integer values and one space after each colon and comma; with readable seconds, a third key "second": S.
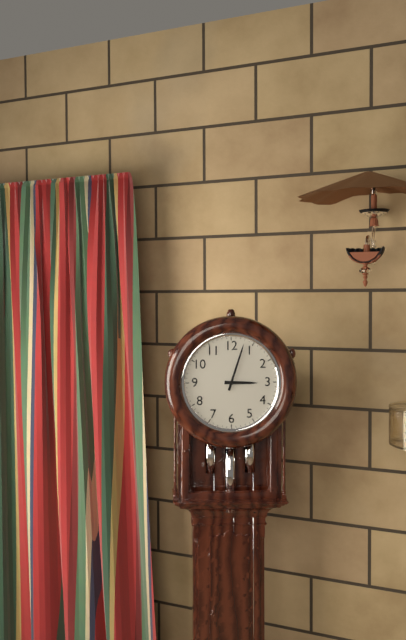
{"hour": 3, "minute": 3}
